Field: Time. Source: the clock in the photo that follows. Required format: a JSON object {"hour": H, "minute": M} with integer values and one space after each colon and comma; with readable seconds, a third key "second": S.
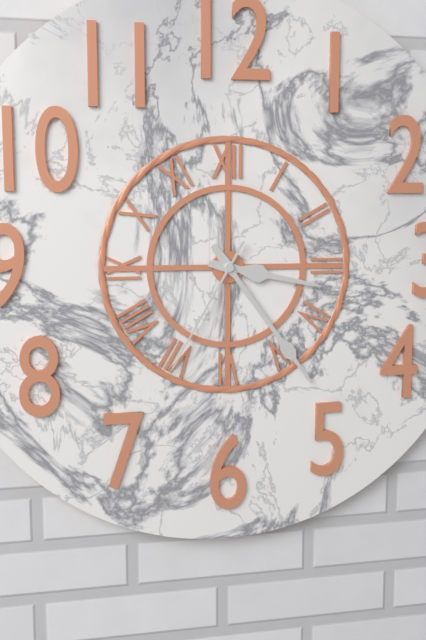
{"hour": 3, "minute": 24, "second": 35}
